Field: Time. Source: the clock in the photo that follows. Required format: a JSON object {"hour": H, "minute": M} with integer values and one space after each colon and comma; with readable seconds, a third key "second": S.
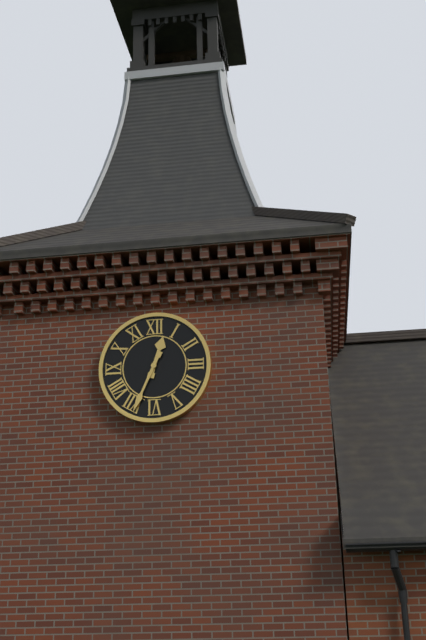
{"hour": 12, "minute": 34}
